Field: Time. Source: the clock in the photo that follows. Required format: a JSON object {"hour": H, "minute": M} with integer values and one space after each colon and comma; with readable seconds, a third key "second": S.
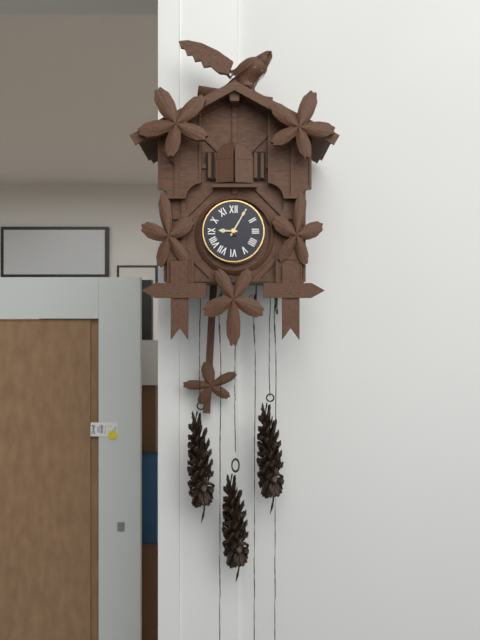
{"hour": 9, "minute": 5}
